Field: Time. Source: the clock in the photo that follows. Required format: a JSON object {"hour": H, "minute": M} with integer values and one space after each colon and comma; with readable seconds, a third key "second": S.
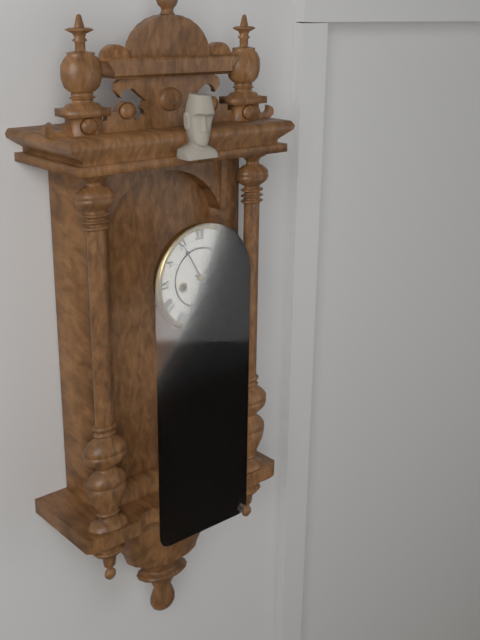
{"hour": 3, "minute": 55}
